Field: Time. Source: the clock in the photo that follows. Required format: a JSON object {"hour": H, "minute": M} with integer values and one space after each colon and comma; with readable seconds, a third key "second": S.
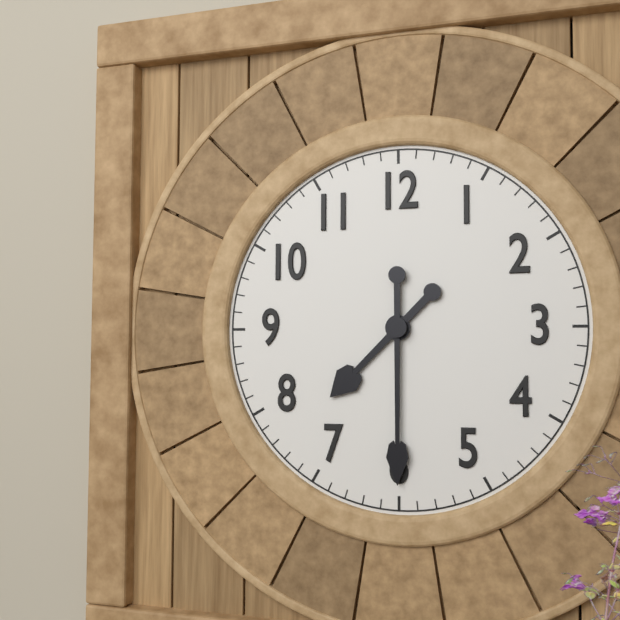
{"hour": 7, "minute": 30}
